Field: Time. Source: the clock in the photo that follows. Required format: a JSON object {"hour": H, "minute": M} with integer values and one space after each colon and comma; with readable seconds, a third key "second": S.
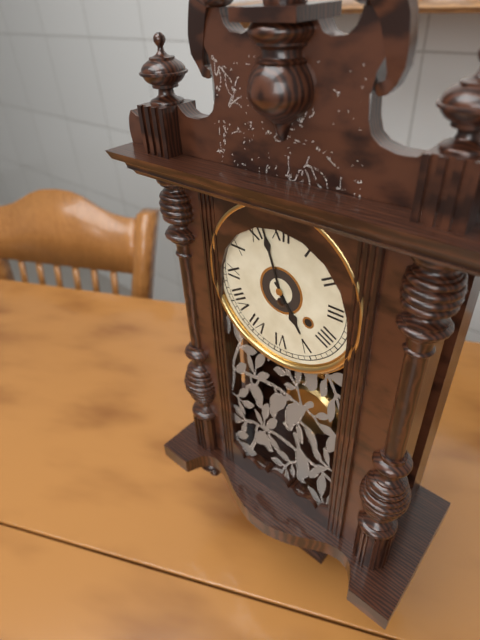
{"hour": 4, "minute": 57}
